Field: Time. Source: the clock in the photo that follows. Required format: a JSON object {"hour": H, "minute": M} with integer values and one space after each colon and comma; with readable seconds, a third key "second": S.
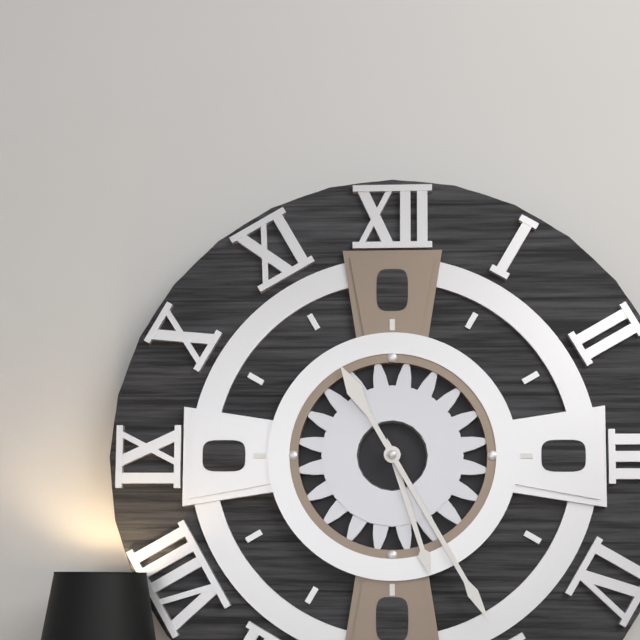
{"hour": 5, "minute": 25}
